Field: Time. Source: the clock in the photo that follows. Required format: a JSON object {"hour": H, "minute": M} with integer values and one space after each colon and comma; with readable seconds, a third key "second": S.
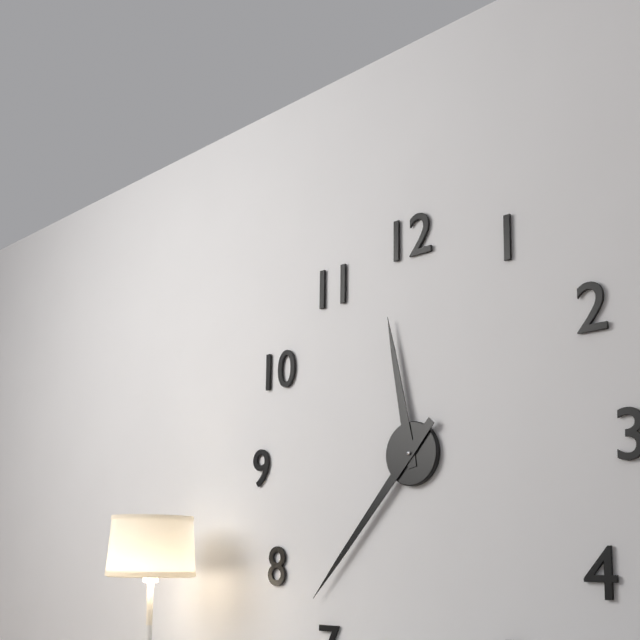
{"hour": 11, "minute": 37}
